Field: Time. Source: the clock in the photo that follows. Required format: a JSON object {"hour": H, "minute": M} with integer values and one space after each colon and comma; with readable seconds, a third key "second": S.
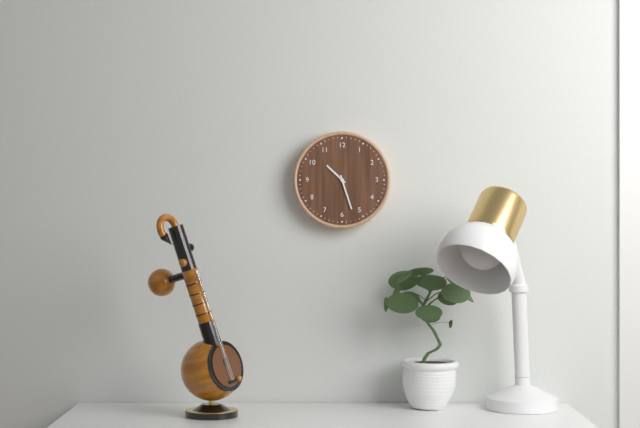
{"hour": 10, "minute": 27}
